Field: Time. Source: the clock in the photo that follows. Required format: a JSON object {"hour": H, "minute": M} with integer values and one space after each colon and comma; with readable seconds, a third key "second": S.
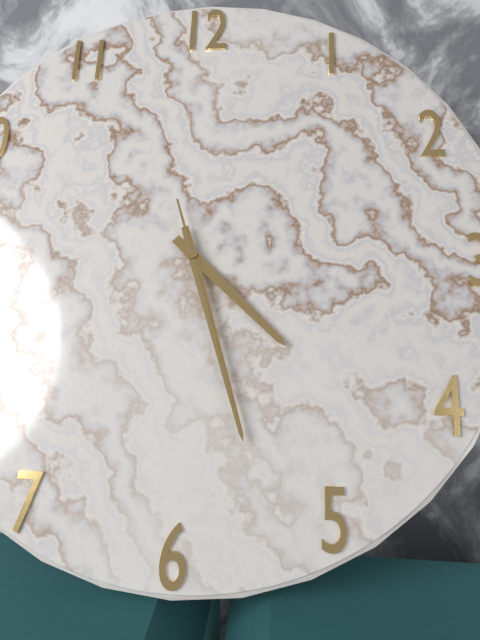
{"hour": 4, "minute": 27, "second": 27}
